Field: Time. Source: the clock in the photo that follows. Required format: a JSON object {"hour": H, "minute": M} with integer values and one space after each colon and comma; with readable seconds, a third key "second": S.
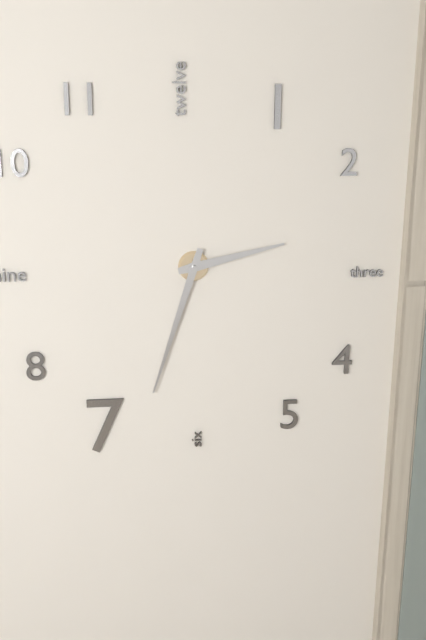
{"hour": 2, "minute": 33}
